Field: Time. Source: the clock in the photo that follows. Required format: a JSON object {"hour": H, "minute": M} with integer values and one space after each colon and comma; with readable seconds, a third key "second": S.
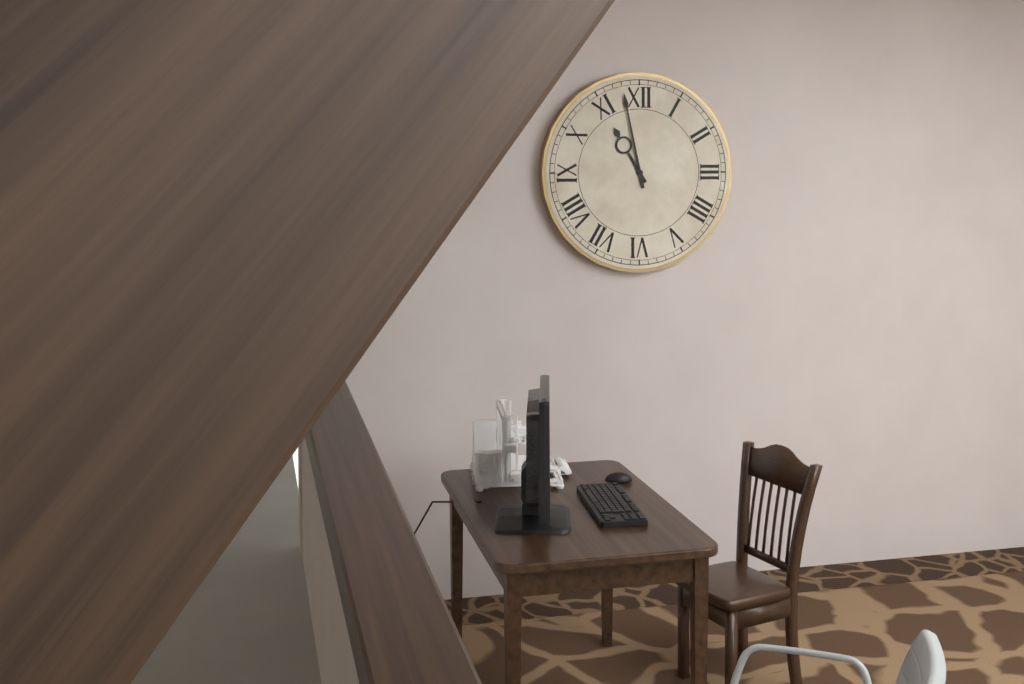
{"hour": 10, "minute": 58}
